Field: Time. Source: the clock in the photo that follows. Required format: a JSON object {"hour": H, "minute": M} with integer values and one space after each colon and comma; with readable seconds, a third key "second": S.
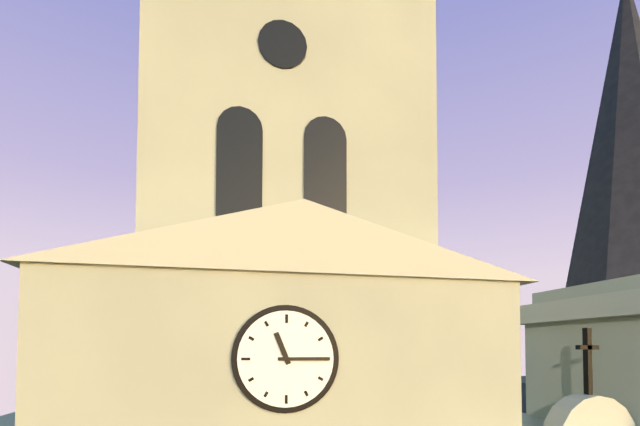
{"hour": 11, "minute": 15}
